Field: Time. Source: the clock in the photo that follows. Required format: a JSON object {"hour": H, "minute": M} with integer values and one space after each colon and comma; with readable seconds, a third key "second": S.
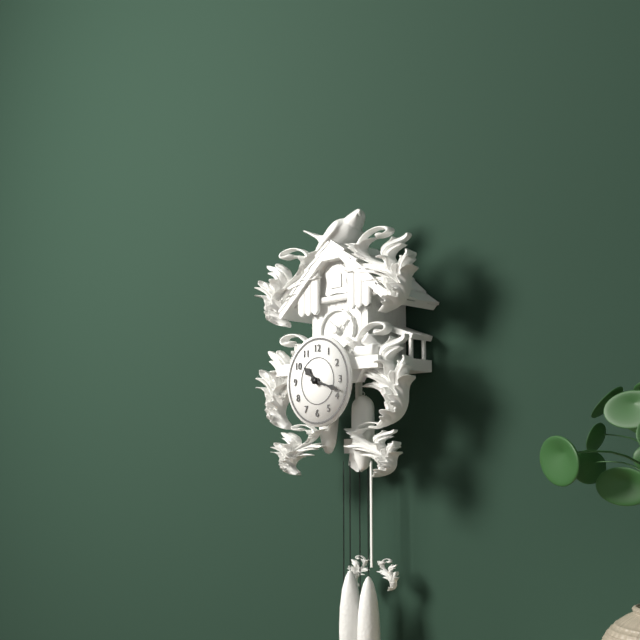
{"hour": 10, "minute": 18}
